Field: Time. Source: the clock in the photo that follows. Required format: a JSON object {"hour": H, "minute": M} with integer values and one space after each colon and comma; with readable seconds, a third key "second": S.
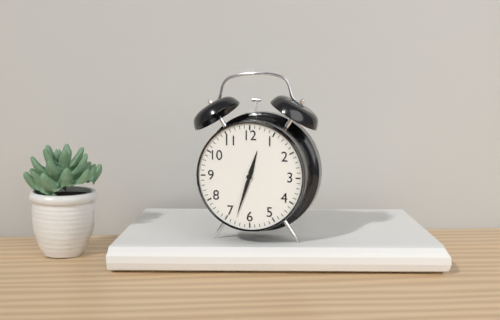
{"hour": 12, "minute": 33}
